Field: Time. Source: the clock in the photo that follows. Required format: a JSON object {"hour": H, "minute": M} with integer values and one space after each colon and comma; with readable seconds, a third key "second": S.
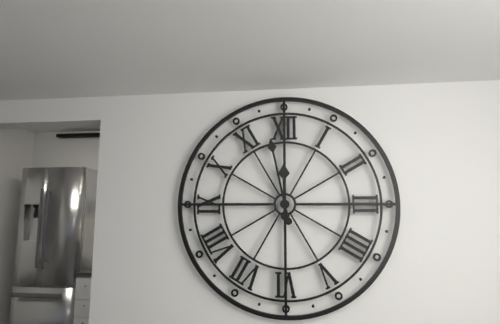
{"hour": 11, "minute": 58}
